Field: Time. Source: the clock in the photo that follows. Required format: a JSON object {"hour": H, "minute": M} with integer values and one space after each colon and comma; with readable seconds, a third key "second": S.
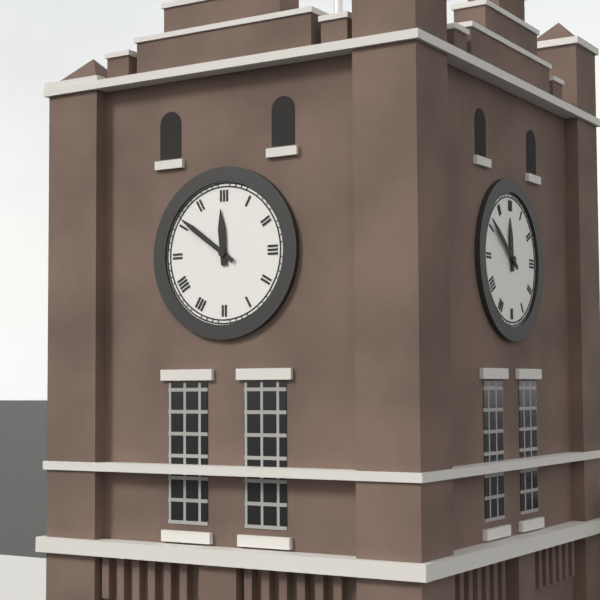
{"hour": 11, "minute": 51}
